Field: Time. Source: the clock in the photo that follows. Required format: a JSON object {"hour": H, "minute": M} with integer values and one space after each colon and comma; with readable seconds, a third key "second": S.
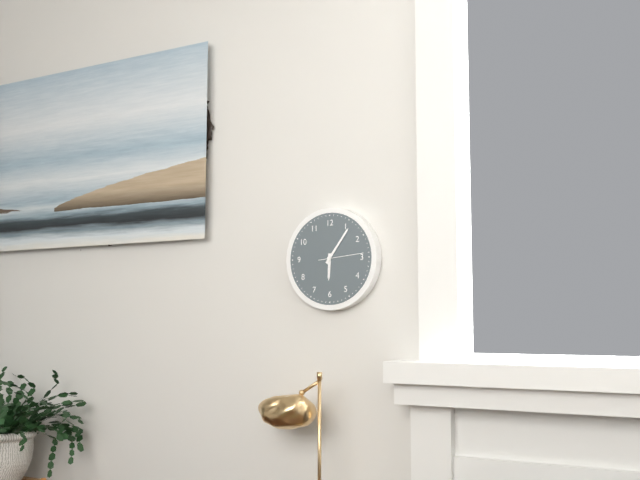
{"hour": 6, "minute": 6}
